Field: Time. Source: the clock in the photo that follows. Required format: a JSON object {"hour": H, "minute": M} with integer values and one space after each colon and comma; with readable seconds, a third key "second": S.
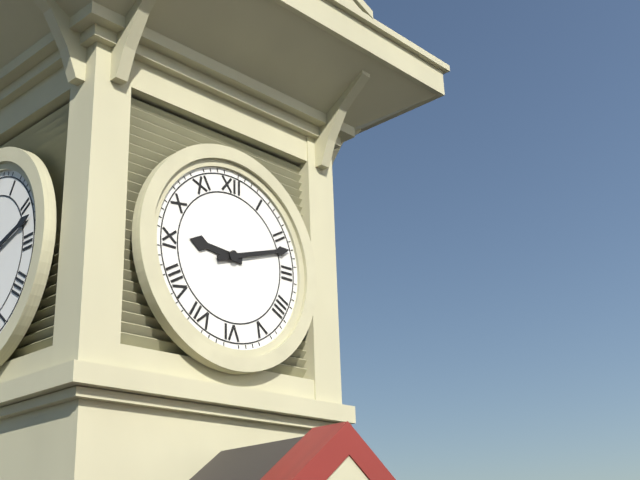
{"hour": 9, "minute": 12}
